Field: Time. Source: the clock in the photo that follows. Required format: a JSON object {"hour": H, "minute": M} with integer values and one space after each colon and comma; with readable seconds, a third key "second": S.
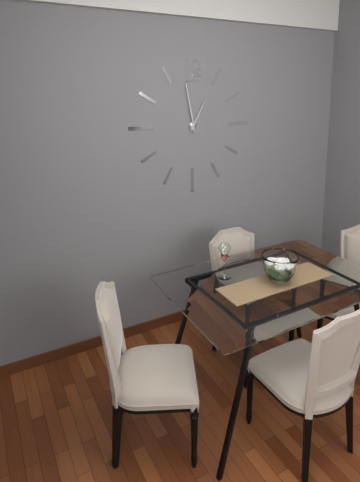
{"hour": 12, "minute": 58}
